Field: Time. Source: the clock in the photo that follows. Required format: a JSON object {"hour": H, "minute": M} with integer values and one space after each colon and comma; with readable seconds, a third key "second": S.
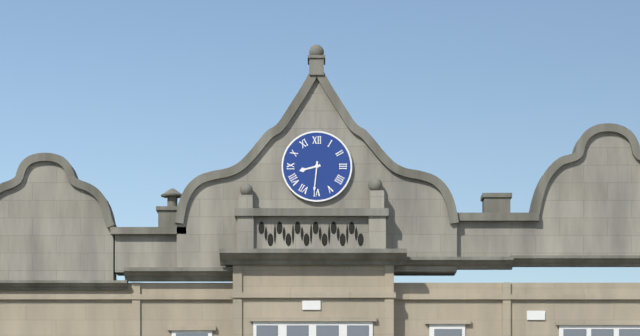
{"hour": 8, "minute": 31}
